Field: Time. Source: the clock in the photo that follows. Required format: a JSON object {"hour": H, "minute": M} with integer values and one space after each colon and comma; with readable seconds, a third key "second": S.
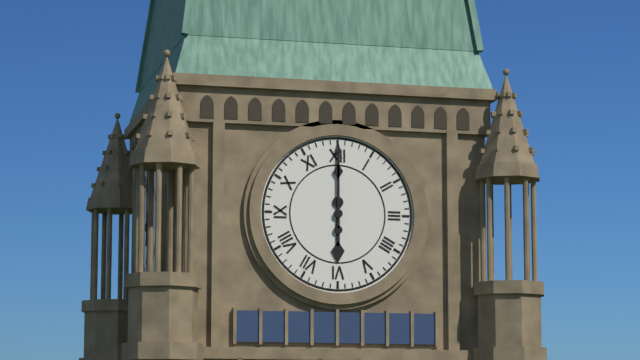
{"hour": 6, "minute": 0}
